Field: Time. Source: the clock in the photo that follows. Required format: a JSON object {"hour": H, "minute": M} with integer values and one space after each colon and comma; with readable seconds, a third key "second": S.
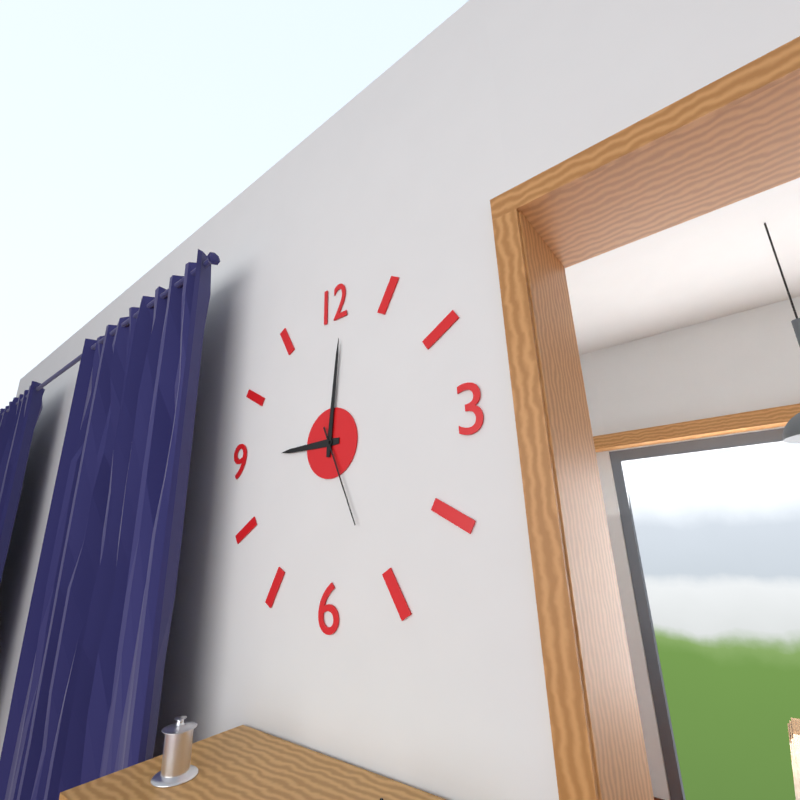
{"hour": 9, "minute": 1, "second": 26}
